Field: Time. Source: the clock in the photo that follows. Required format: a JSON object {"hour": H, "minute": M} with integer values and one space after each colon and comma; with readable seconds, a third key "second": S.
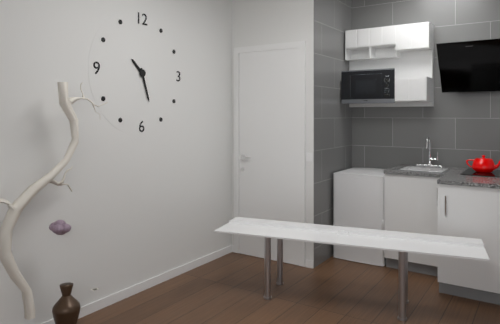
{"hour": 10, "minute": 27}
